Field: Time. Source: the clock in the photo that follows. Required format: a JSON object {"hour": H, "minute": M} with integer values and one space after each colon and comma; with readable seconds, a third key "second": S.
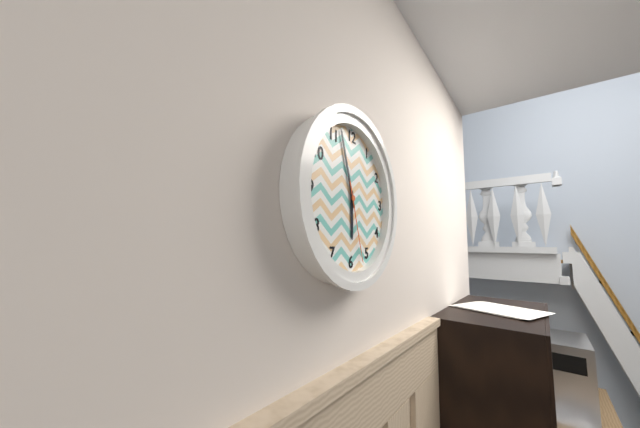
{"hour": 5, "minute": 57, "second": 27}
